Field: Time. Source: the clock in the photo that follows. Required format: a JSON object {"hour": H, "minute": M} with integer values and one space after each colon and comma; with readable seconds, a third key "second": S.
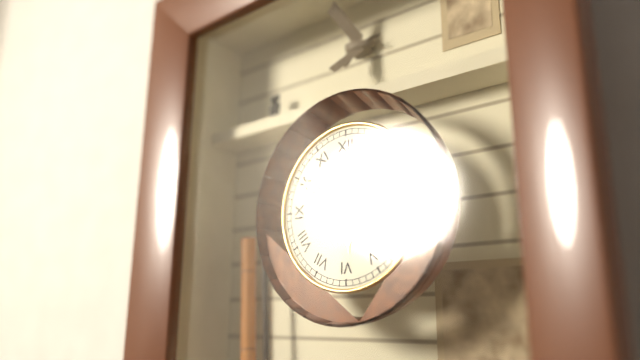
{"hour": 5, "minute": 50}
